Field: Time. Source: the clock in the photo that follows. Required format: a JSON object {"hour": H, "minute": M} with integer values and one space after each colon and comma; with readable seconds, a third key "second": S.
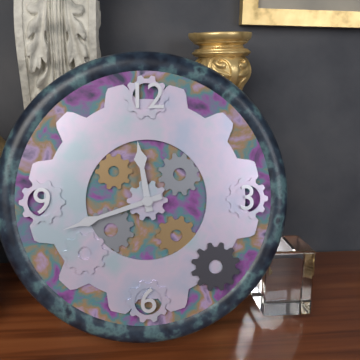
{"hour": 11, "minute": 42}
